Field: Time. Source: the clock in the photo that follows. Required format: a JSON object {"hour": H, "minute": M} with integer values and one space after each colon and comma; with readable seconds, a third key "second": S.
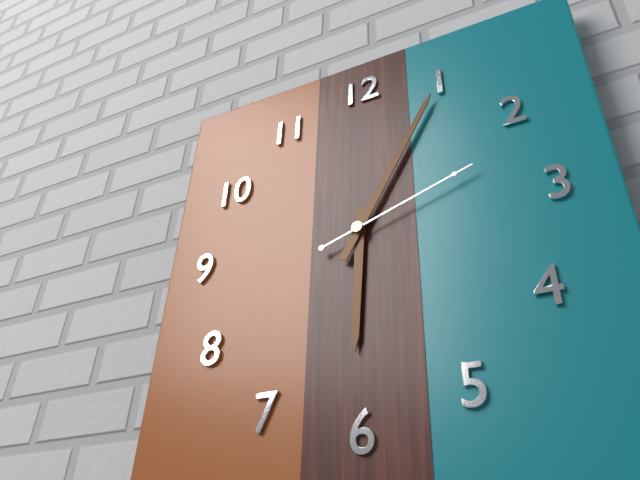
{"hour": 6, "minute": 5, "second": 12}
